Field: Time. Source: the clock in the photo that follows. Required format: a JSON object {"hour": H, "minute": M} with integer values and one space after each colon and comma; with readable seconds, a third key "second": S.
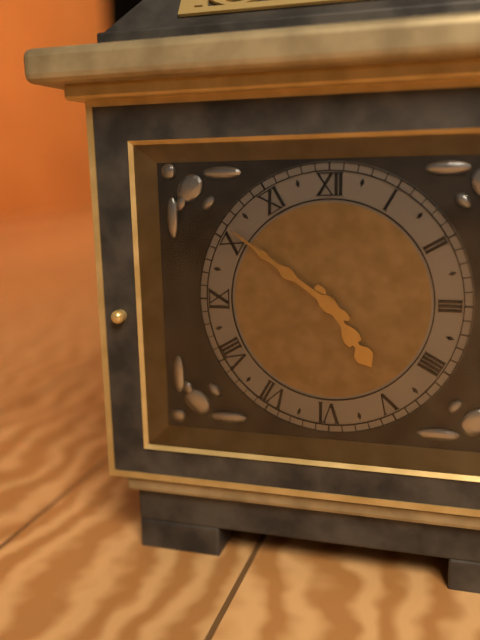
{"hour": 4, "minute": 51}
